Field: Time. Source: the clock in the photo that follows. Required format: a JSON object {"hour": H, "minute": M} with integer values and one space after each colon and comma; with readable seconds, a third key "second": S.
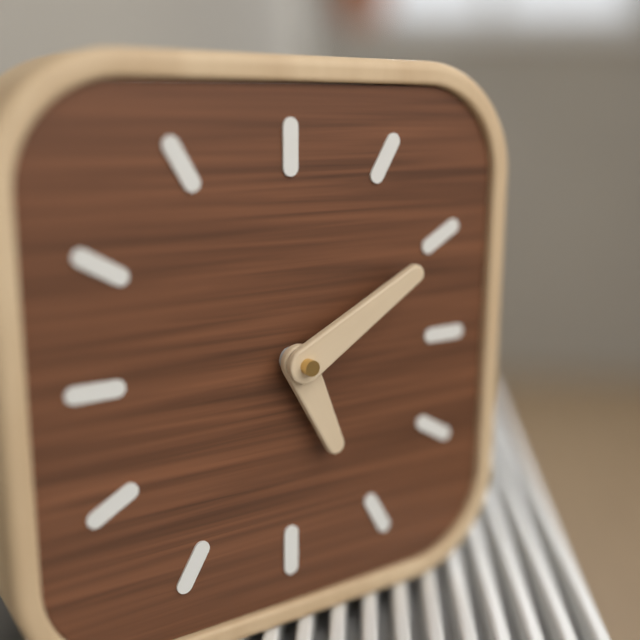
{"hour": 5, "minute": 10}
